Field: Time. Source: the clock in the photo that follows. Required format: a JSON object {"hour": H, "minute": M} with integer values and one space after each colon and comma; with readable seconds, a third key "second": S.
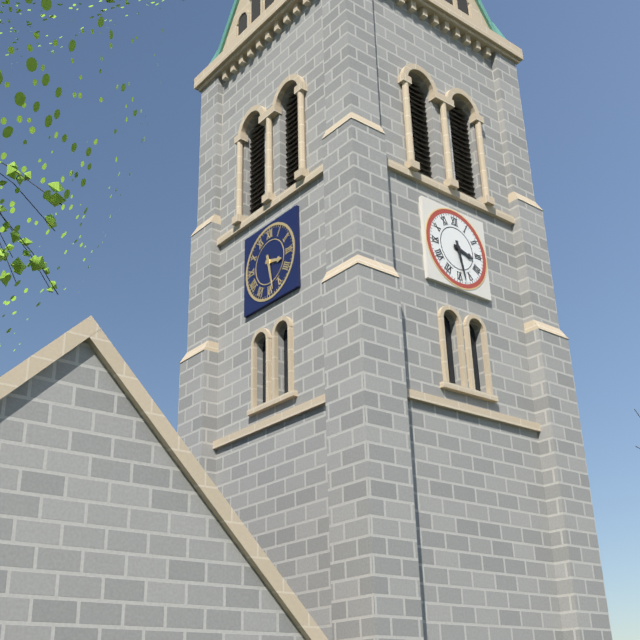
{"hour": 3, "minute": 28}
